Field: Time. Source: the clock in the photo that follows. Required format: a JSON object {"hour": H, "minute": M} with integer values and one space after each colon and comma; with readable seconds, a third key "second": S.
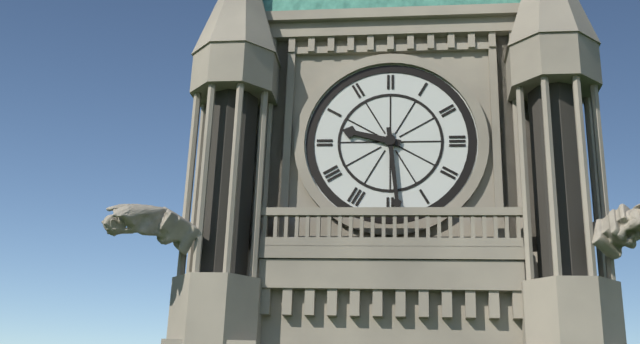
{"hour": 9, "minute": 29}
